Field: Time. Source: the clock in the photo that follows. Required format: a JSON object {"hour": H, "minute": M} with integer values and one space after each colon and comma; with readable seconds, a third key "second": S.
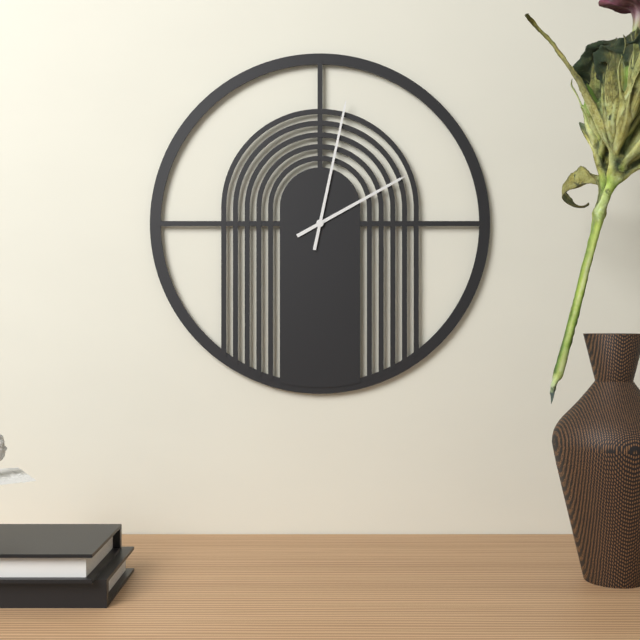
{"hour": 2, "minute": 2}
